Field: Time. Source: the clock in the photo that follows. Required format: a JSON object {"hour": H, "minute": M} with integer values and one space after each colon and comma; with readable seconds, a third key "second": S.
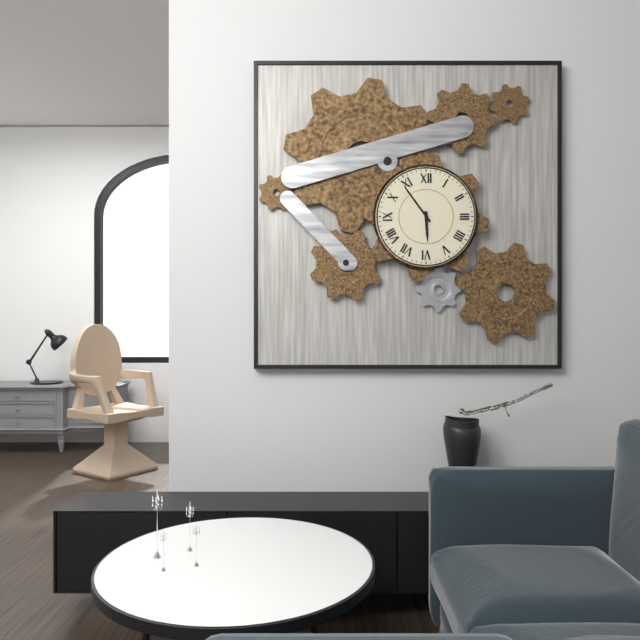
{"hour": 5, "minute": 54}
